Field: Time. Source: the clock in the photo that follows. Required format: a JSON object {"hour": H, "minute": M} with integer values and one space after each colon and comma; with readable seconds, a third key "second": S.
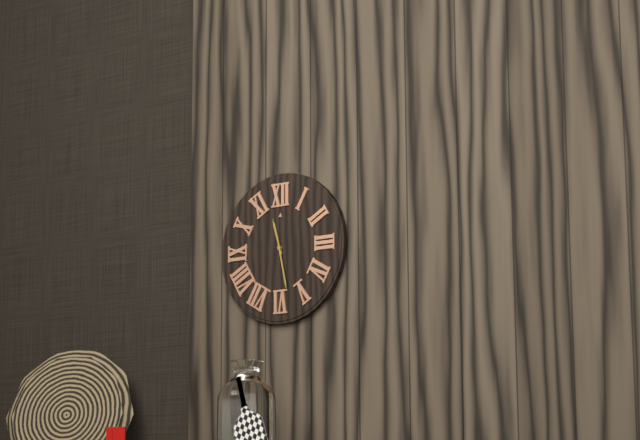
{"hour": 11, "minute": 28}
